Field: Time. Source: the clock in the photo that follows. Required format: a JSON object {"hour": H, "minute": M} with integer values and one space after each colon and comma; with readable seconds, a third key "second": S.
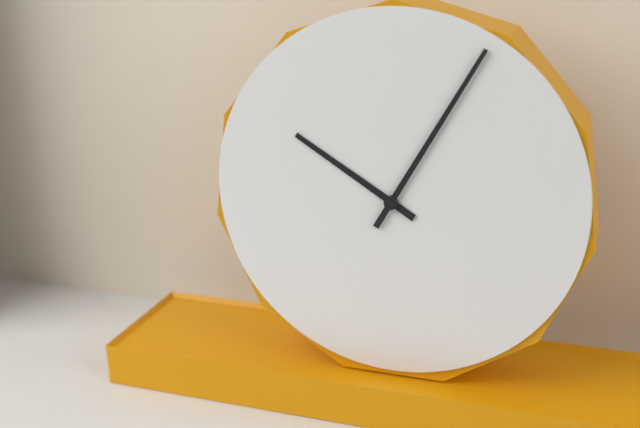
{"hour": 10, "minute": 5}
